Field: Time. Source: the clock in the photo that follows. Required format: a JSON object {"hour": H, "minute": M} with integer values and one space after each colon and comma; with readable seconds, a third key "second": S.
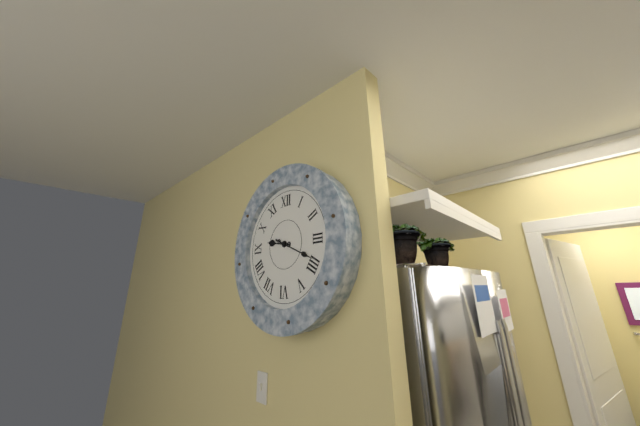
{"hour": 9, "minute": 19}
